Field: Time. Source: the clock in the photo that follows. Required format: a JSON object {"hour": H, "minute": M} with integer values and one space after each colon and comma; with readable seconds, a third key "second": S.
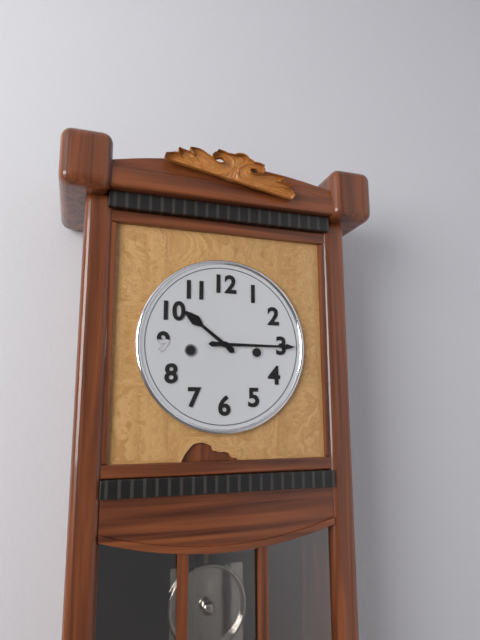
{"hour": 10, "minute": 15}
